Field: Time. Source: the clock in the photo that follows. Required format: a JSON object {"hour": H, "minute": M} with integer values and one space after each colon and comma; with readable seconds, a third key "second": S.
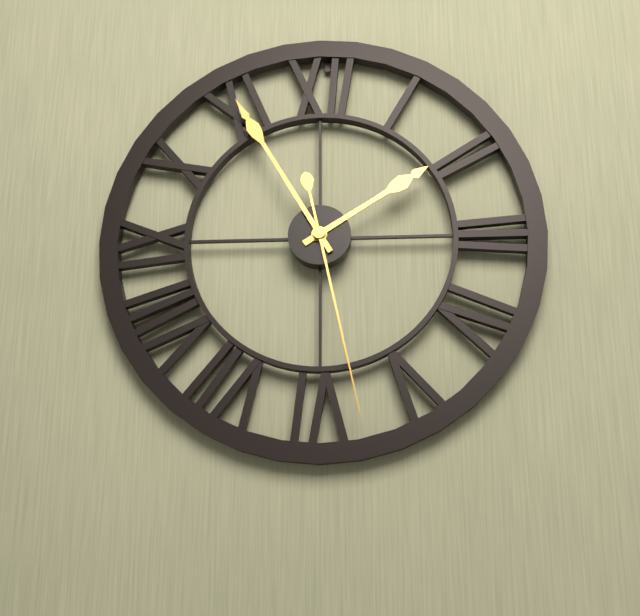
{"hour": 1, "minute": 55, "second": 28}
